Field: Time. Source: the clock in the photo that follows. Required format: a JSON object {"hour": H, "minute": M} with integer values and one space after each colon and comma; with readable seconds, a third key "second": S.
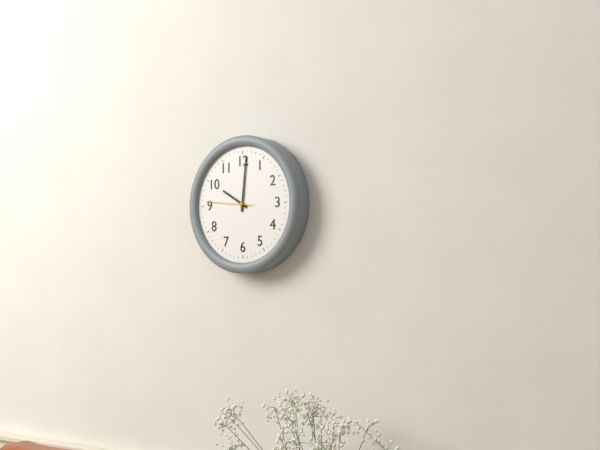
{"hour": 10, "minute": 1}
